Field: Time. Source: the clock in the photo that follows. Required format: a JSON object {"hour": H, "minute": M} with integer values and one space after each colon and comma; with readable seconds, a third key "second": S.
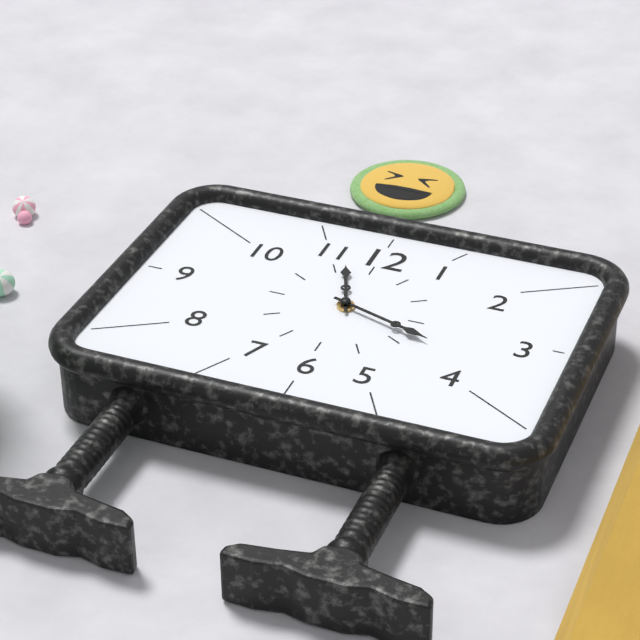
{"hour": 11, "minute": 18}
